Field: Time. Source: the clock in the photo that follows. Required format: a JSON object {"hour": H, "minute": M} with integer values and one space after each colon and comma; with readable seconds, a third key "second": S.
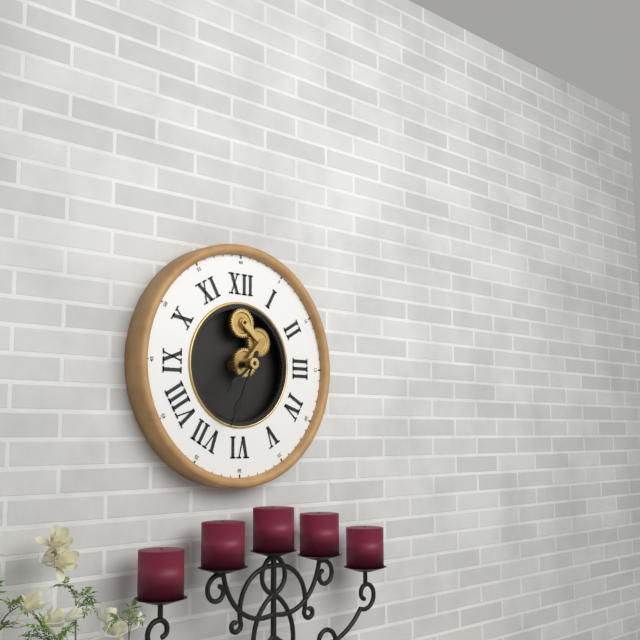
{"hour": 7, "minute": 34}
